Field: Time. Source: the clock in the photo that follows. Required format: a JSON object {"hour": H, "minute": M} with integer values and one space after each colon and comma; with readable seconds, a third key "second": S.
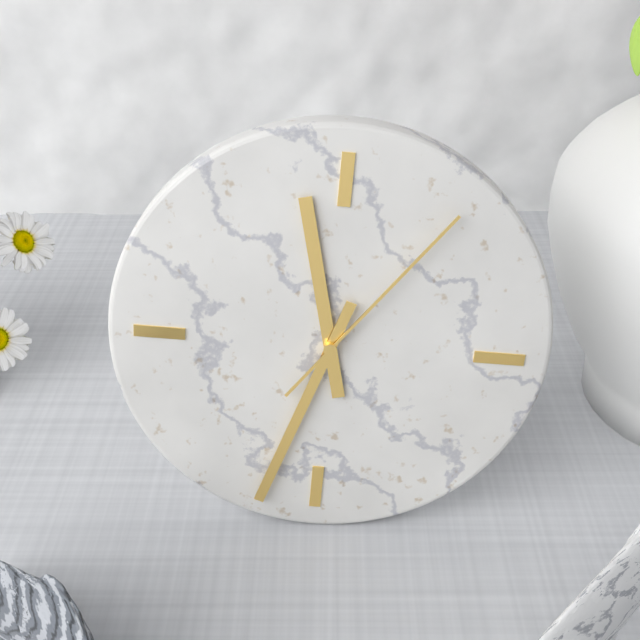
{"hour": 11, "minute": 33, "second": 6}
